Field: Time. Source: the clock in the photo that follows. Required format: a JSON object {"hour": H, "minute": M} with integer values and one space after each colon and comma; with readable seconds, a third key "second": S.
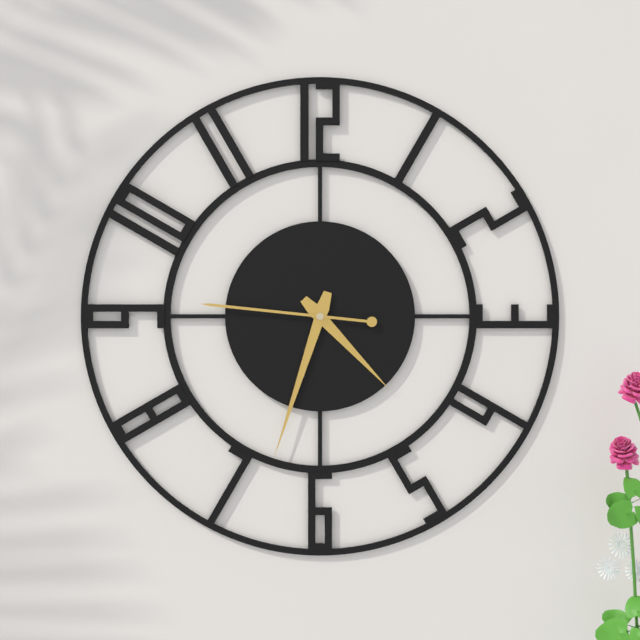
{"hour": 4, "minute": 33, "second": 46}
